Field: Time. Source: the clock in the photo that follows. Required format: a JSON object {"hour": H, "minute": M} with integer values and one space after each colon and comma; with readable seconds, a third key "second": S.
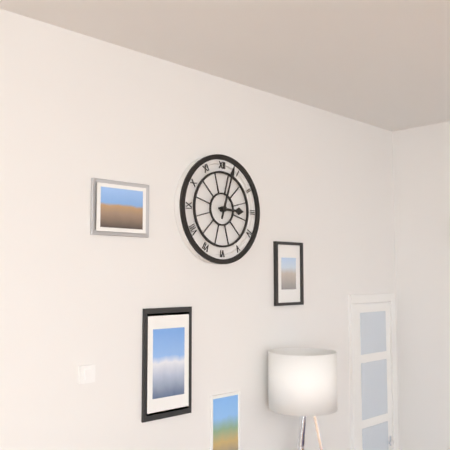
{"hour": 3, "minute": 3}
